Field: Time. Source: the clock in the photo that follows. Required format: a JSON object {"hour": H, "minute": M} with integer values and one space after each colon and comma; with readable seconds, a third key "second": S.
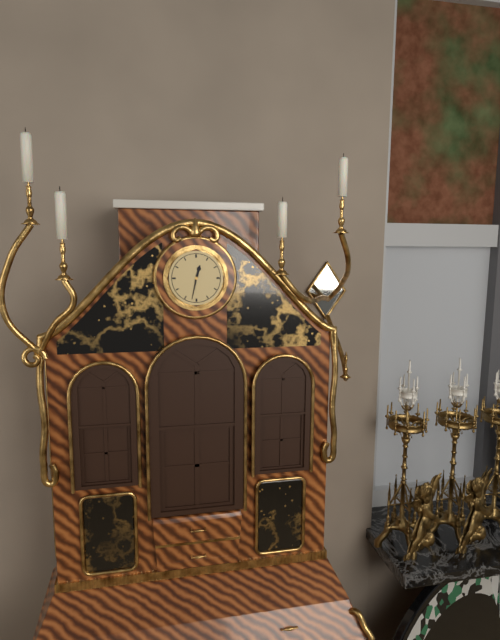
{"hour": 12, "minute": 32}
